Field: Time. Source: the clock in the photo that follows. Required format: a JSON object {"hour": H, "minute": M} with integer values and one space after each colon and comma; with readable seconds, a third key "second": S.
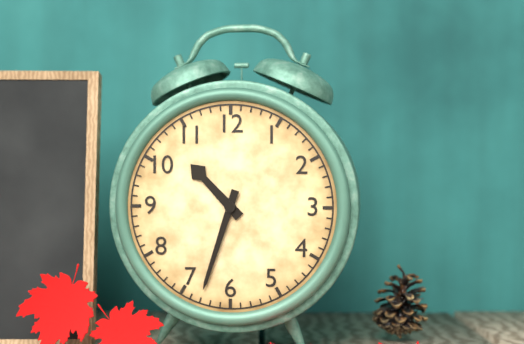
{"hour": 10, "minute": 33}
